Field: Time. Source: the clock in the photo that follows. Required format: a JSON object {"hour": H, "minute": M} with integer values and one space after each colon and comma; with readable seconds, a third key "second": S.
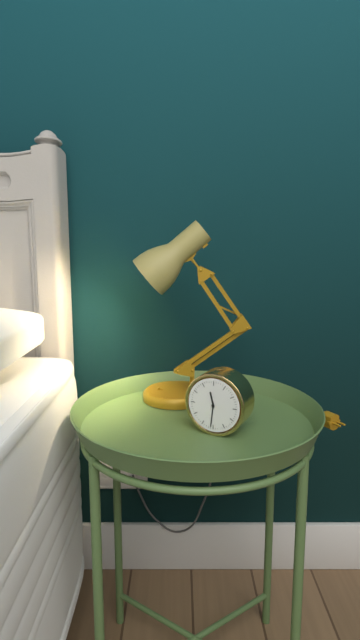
{"hour": 11, "minute": 31}
